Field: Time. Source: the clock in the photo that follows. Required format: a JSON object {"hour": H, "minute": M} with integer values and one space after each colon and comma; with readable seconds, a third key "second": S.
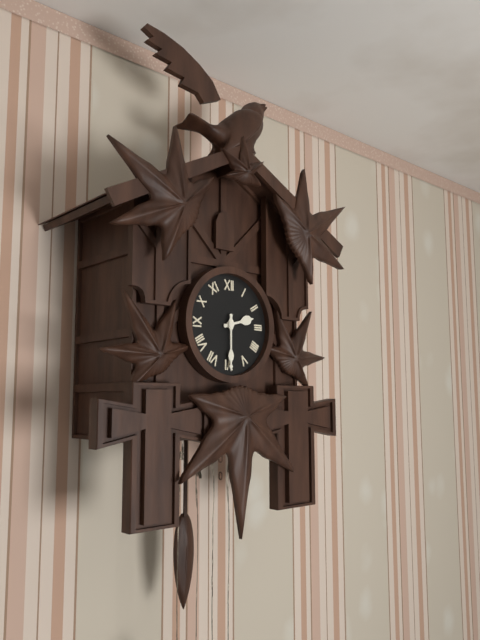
{"hour": 2, "minute": 30}
